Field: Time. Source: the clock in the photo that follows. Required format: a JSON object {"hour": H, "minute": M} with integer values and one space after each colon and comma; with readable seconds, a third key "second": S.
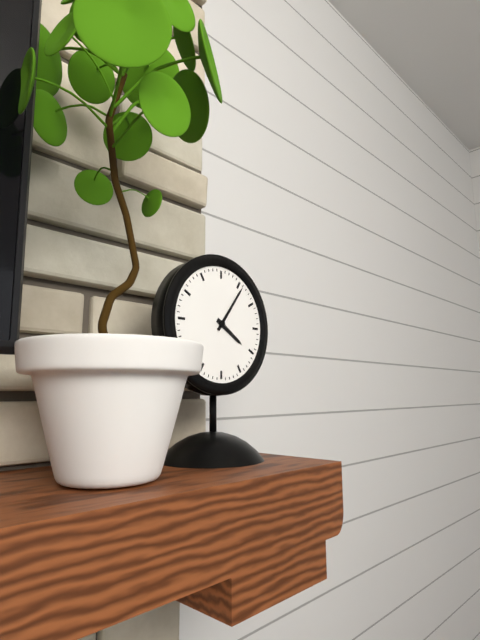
{"hour": 4, "minute": 6}
